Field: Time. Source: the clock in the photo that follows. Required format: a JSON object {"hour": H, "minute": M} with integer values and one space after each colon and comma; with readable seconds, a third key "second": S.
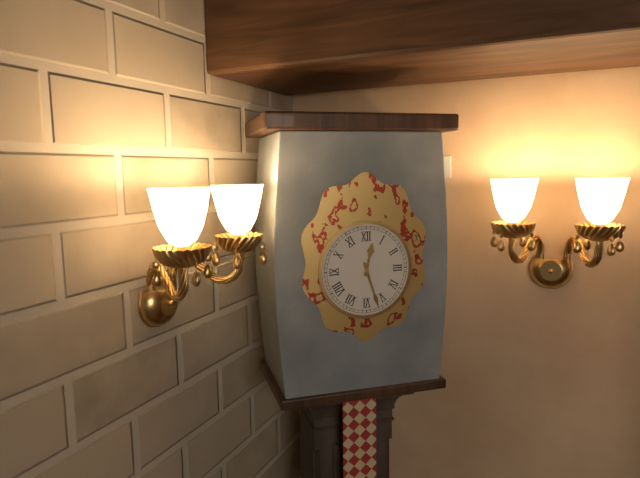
{"hour": 12, "minute": 27}
